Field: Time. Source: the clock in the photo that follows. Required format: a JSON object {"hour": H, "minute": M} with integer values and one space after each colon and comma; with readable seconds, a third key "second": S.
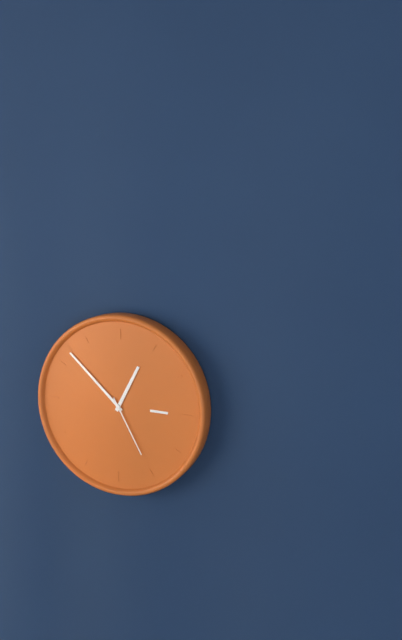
{"hour": 12, "minute": 52, "second": 25}
